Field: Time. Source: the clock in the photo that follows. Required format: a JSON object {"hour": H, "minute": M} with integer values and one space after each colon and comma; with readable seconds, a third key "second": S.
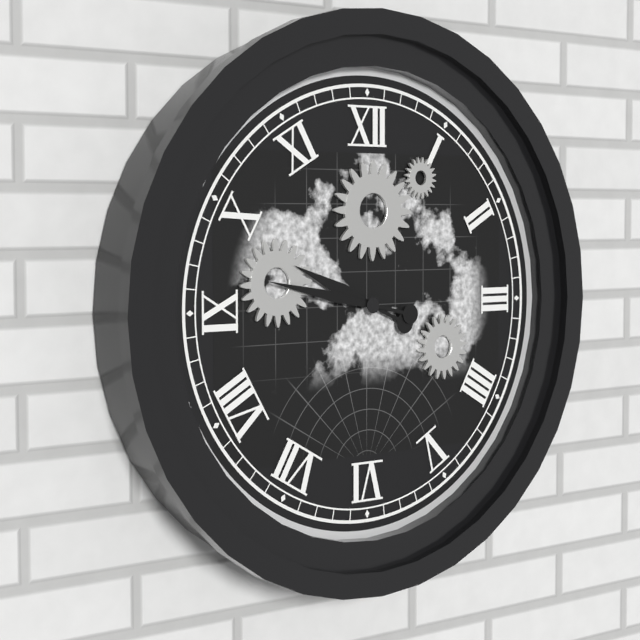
{"hour": 9, "minute": 47}
